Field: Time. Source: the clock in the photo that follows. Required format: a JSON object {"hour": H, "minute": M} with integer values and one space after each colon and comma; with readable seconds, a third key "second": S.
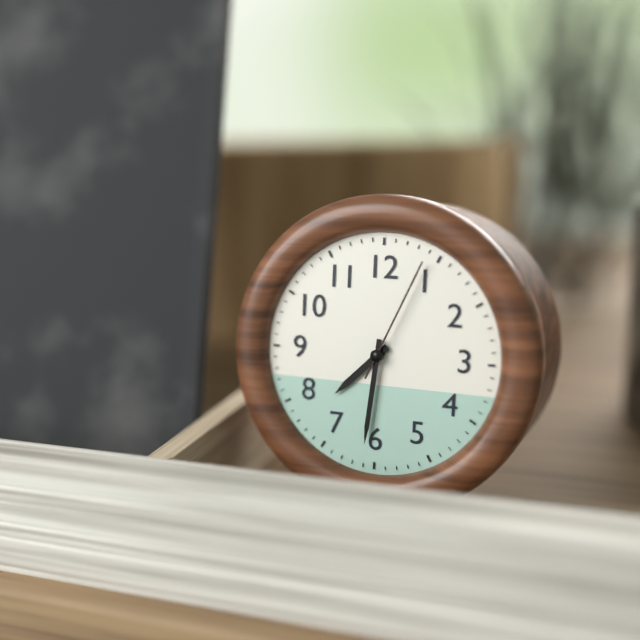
{"hour": 7, "minute": 31, "second": 4}
